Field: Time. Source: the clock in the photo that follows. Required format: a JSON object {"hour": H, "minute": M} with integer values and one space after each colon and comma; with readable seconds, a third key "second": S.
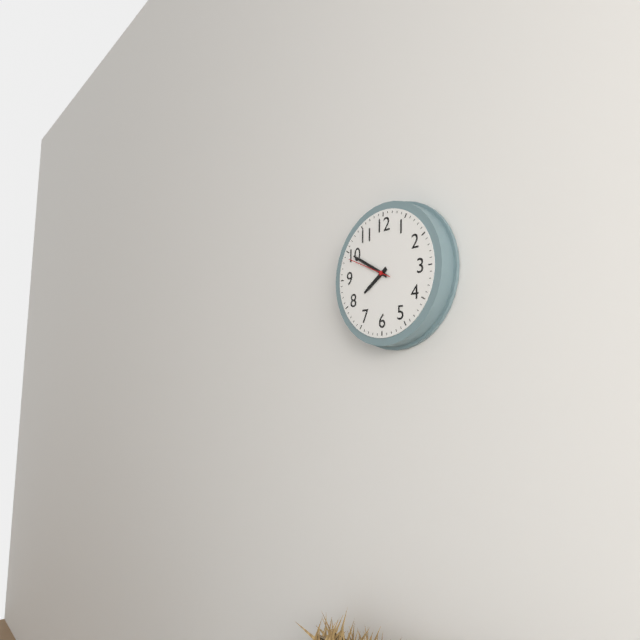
{"hour": 7, "minute": 50}
